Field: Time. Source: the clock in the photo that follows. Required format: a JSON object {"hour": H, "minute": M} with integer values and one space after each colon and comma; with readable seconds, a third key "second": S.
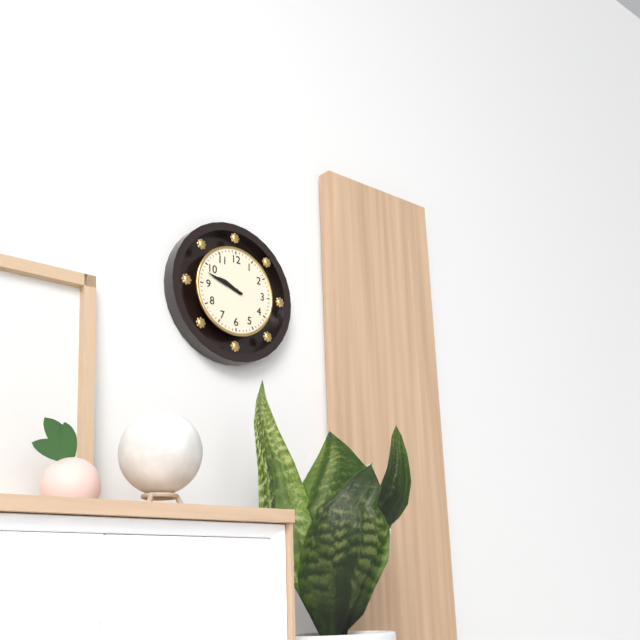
{"hour": 9, "minute": 48}
